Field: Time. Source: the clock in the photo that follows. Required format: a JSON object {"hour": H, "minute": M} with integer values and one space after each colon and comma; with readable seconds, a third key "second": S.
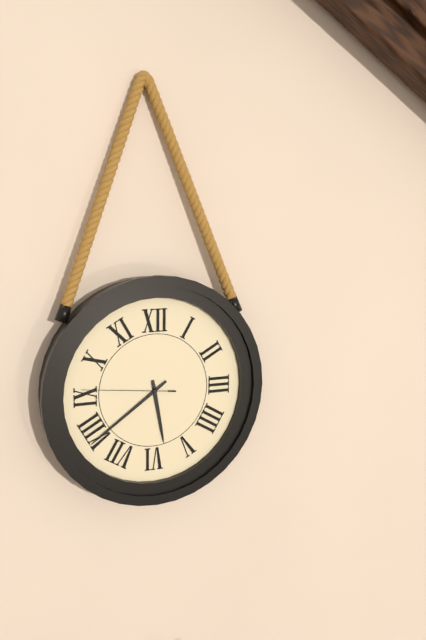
{"hour": 5, "minute": 39, "second": 46}
